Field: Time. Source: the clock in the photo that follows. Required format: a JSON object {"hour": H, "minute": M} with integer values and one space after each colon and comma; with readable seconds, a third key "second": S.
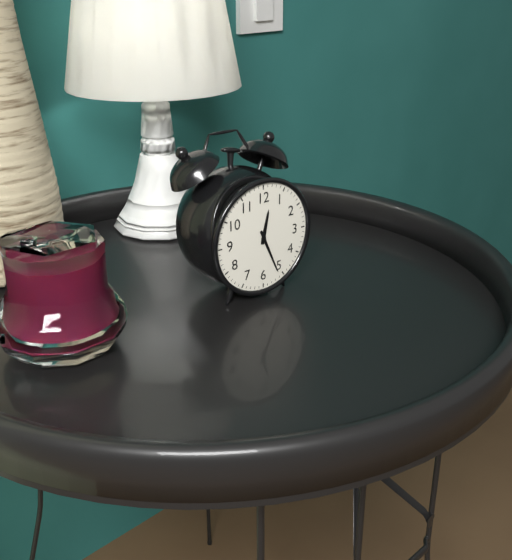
{"hour": 12, "minute": 26}
